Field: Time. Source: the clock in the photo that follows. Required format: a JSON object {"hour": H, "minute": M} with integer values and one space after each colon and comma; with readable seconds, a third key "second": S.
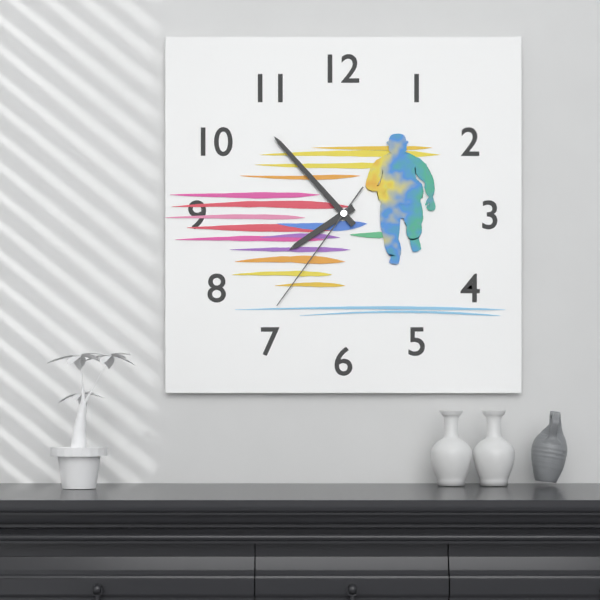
{"hour": 7, "minute": 53, "second": 36}
